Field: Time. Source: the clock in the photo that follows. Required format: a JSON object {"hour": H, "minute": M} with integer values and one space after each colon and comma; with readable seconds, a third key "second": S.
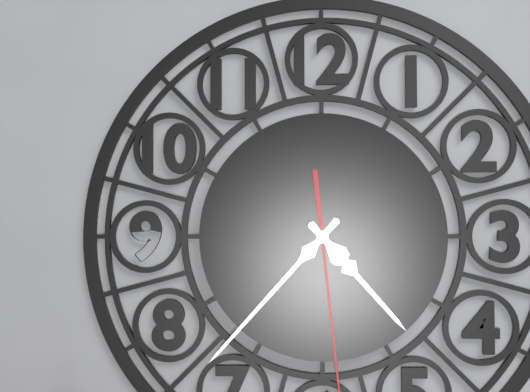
{"hour": 4, "minute": 37}
